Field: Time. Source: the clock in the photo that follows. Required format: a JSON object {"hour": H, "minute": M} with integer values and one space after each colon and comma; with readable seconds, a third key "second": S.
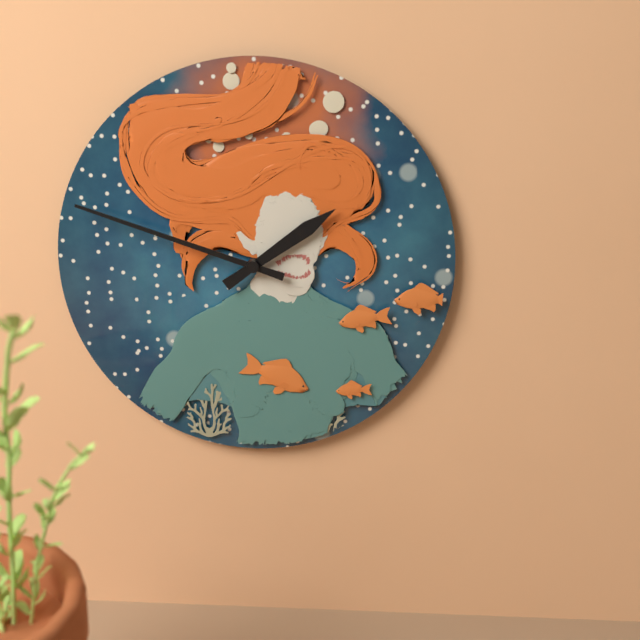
{"hour": 1, "minute": 48}
